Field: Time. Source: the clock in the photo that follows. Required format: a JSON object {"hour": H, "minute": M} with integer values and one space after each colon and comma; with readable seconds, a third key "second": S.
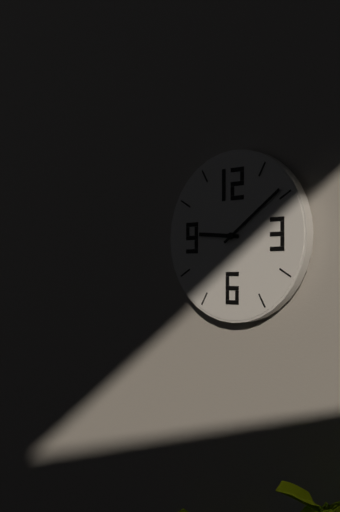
{"hour": 9, "minute": 9}
